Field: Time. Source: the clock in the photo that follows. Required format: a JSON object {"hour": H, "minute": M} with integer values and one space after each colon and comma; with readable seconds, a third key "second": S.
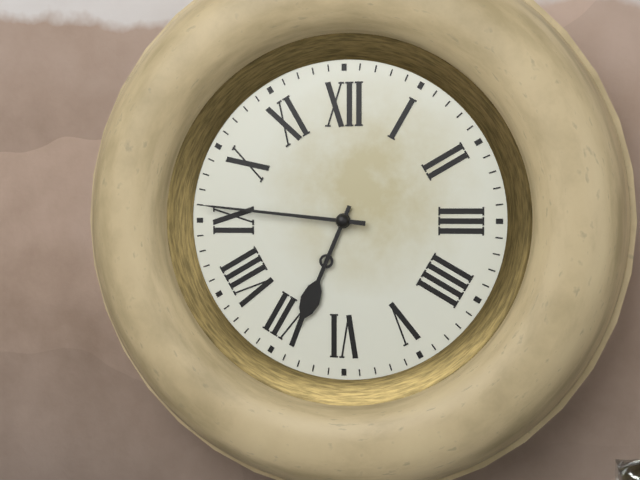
{"hour": 6, "minute": 46}
